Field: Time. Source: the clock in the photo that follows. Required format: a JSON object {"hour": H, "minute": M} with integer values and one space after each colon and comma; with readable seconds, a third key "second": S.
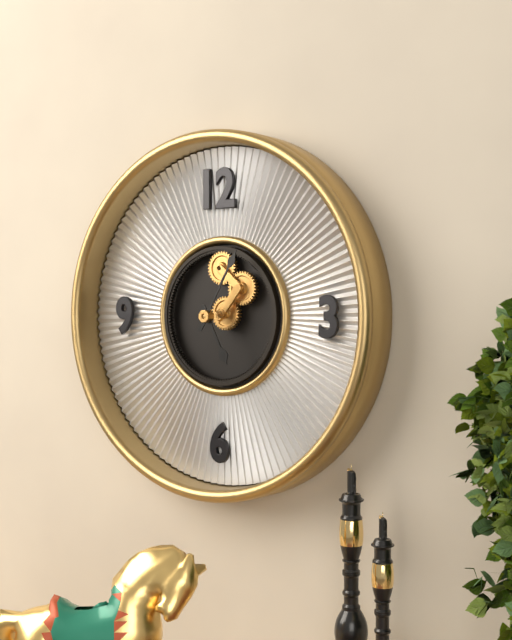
{"hour": 5, "minute": 5}
